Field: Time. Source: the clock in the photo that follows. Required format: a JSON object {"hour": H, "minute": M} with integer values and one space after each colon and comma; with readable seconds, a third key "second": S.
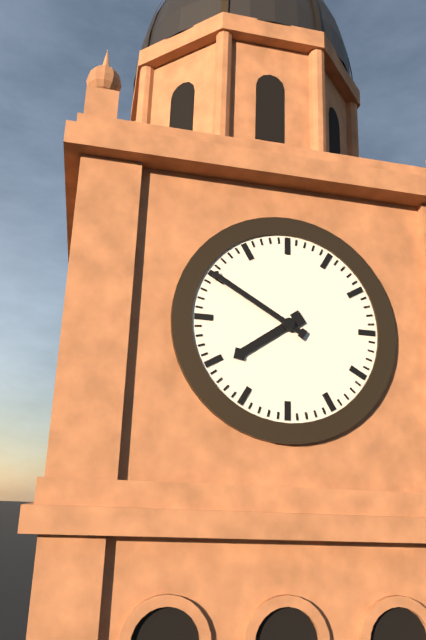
{"hour": 7, "minute": 50}
